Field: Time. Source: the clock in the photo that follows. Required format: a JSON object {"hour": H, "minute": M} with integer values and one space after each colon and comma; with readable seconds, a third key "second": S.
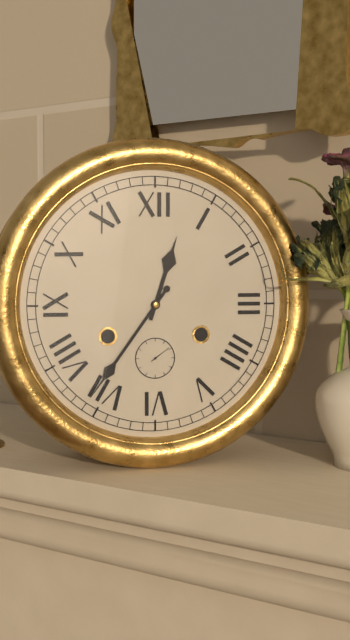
{"hour": 12, "minute": 36}
